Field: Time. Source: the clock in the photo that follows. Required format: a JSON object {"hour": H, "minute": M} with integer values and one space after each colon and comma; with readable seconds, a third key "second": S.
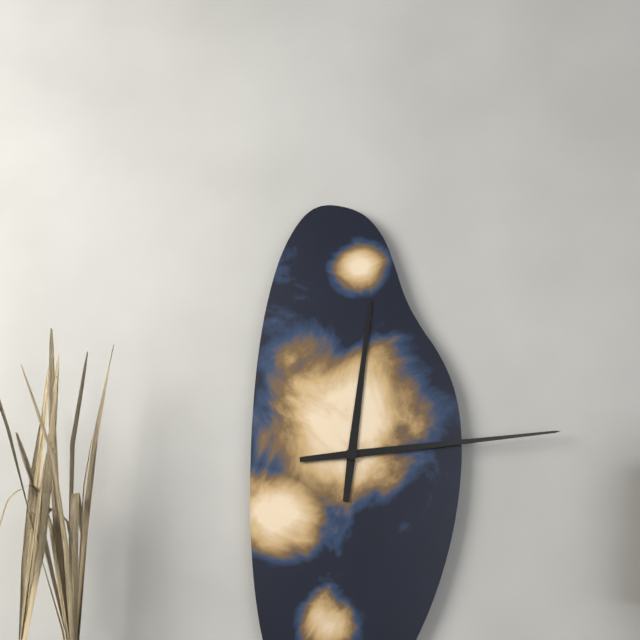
{"hour": 12, "minute": 14}
